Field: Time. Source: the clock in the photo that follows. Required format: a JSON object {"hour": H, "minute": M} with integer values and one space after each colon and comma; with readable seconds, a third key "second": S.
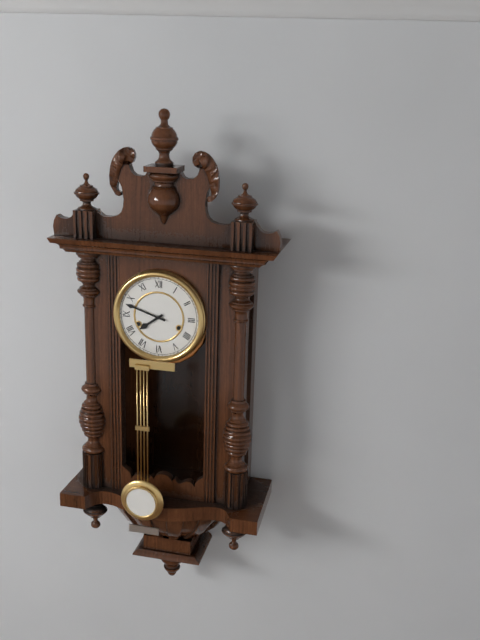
{"hour": 7, "minute": 48}
